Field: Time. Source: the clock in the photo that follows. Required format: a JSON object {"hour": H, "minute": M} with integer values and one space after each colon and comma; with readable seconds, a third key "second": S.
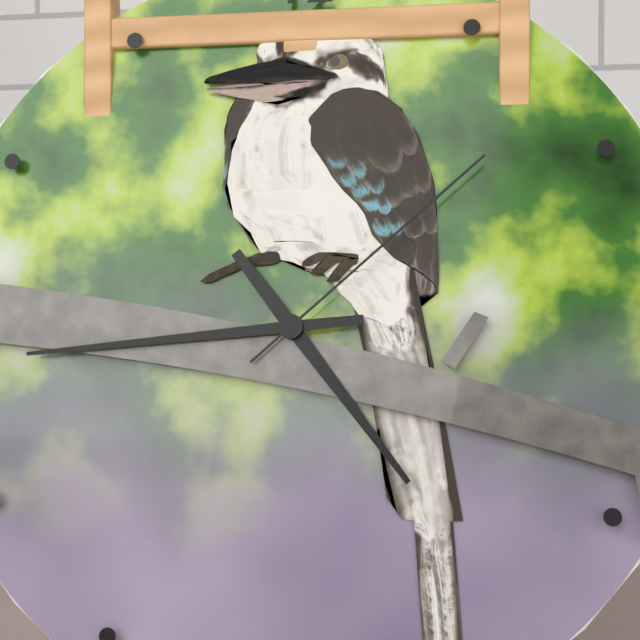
{"hour": 4, "minute": 44, "second": 8}
